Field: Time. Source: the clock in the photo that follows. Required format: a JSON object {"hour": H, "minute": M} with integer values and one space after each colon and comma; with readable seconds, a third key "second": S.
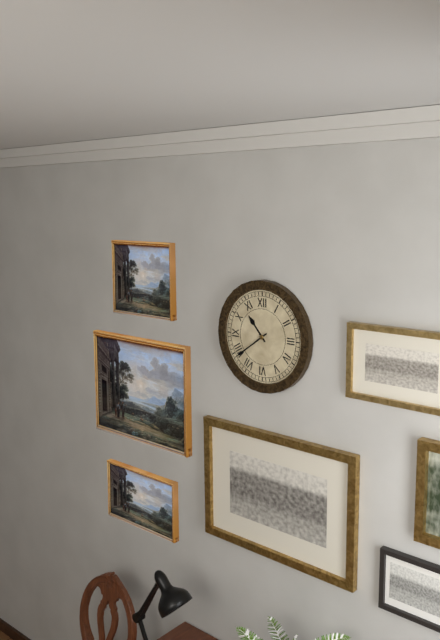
{"hour": 10, "minute": 39}
